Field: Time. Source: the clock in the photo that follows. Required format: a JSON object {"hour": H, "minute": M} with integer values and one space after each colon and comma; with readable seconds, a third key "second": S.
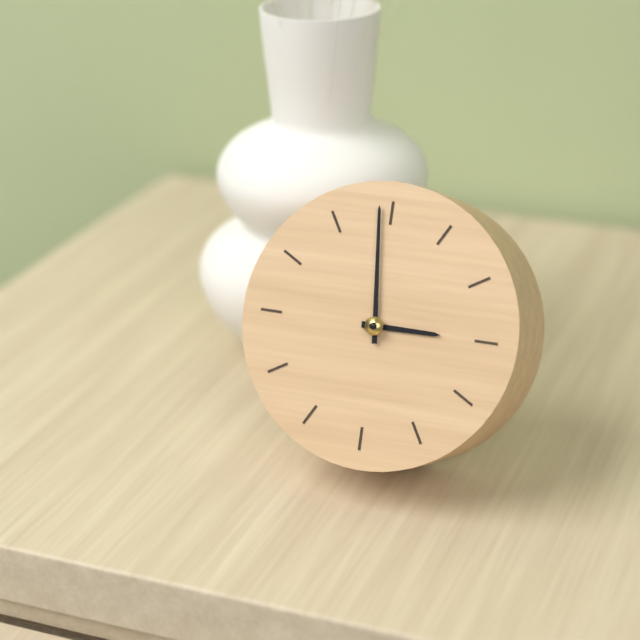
{"hour": 2, "minute": 59}
